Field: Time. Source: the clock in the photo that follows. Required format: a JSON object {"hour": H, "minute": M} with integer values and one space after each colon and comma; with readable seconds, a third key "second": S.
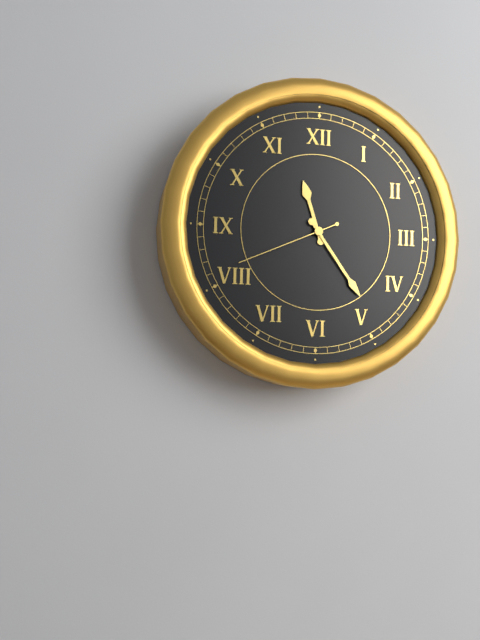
{"hour": 11, "minute": 24, "second": 41}
